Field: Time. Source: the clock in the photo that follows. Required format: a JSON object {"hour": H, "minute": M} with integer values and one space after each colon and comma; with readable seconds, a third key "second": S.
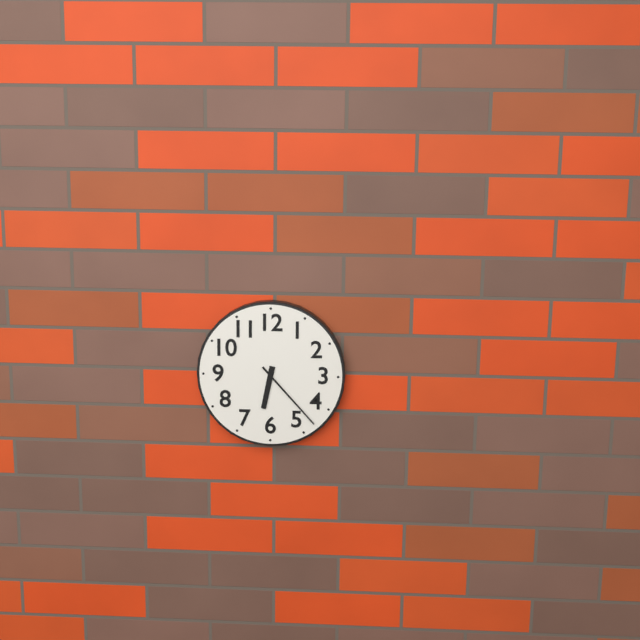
{"hour": 6, "minute": 23}
